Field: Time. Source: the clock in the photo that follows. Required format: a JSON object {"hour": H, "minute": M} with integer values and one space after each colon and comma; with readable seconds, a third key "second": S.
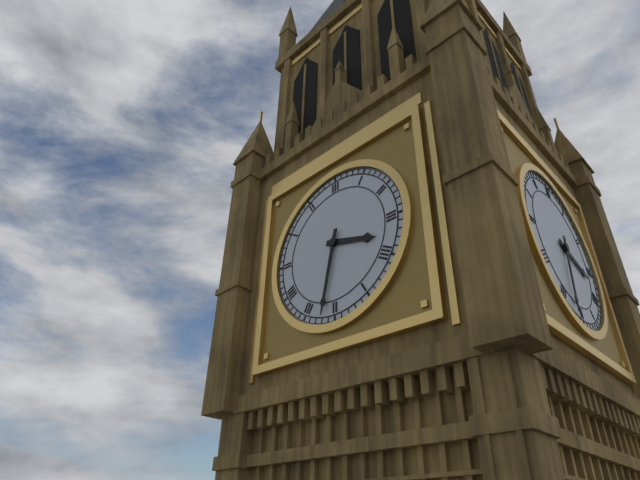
{"hour": 3, "minute": 32}
